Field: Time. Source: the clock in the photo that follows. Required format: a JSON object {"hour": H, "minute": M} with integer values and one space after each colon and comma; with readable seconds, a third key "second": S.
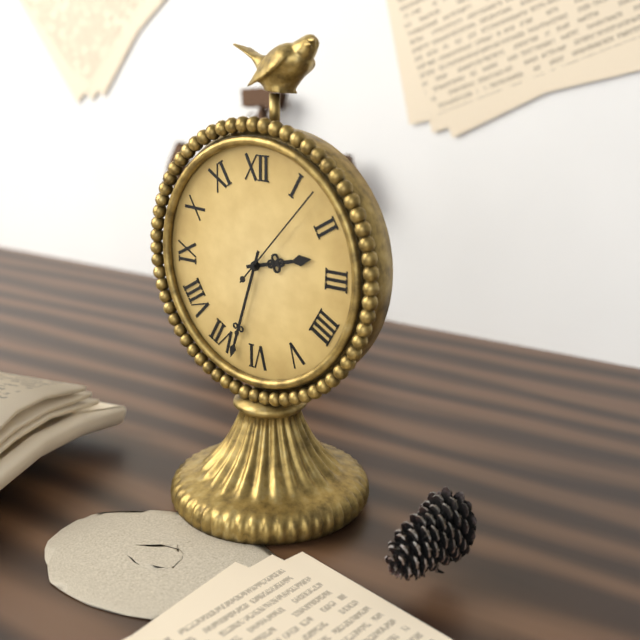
{"hour": 2, "minute": 33, "second": 7}
